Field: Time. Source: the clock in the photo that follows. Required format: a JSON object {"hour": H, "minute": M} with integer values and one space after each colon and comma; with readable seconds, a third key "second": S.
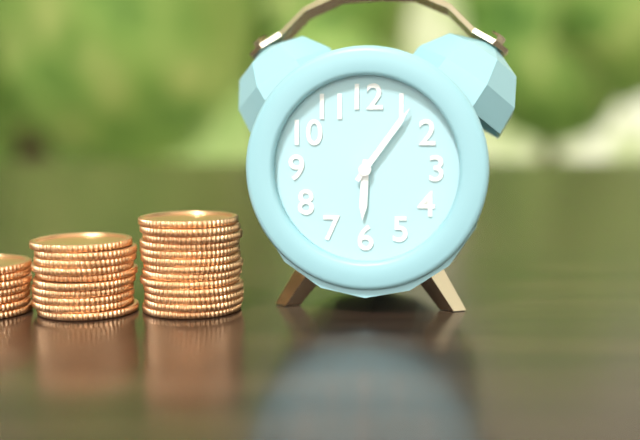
{"hour": 6, "minute": 6}
